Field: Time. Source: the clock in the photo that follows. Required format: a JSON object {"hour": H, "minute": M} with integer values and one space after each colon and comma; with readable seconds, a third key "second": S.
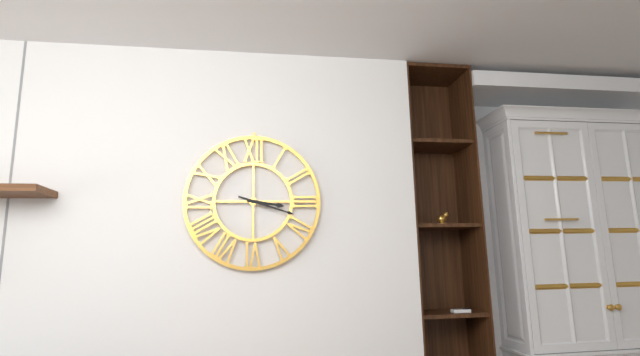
{"hour": 3, "minute": 18}
